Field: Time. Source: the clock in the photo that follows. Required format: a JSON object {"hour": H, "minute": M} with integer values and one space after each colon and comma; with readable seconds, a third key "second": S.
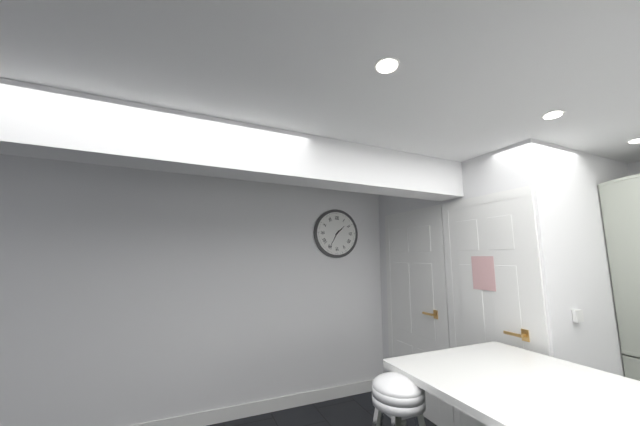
{"hour": 1, "minute": 35}
